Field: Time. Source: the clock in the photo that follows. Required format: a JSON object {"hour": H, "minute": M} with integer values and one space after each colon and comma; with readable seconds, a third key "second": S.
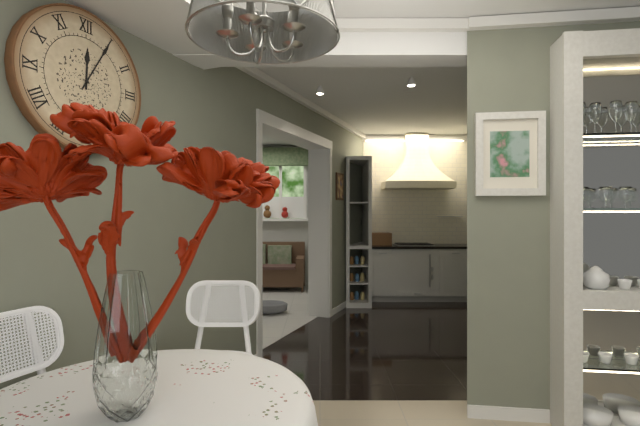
{"hour": 12, "minute": 5}
